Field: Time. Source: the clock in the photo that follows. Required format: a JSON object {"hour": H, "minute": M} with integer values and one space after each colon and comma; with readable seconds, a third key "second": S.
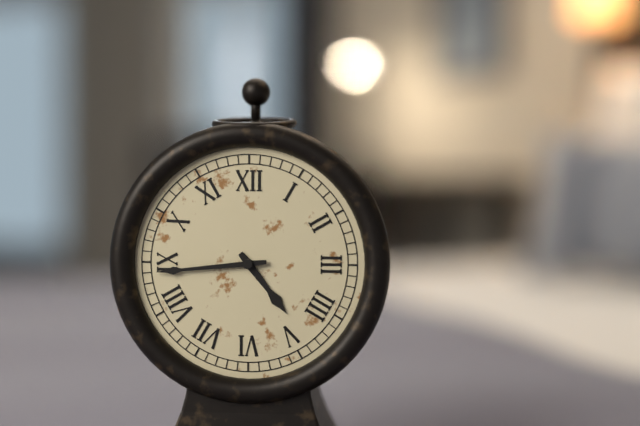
{"hour": 4, "minute": 44}
